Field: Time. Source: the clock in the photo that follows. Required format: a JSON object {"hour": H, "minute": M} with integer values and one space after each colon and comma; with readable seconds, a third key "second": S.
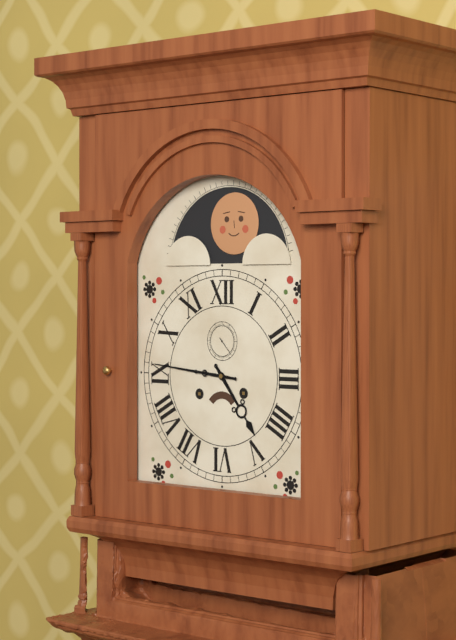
{"hour": 4, "minute": 46}
